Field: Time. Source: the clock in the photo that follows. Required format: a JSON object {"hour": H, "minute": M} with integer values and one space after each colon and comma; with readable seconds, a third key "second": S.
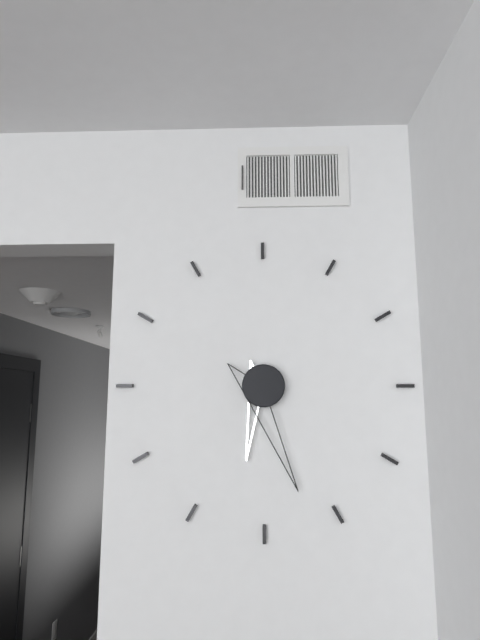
{"hour": 6, "minute": 27}
